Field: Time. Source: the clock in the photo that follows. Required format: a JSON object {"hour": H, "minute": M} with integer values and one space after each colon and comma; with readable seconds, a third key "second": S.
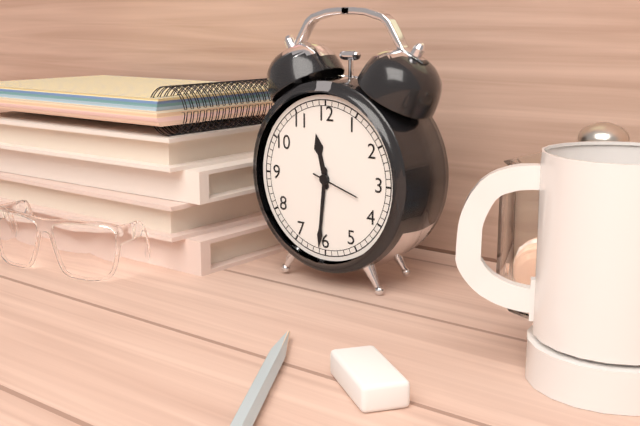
{"hour": 11, "minute": 31}
